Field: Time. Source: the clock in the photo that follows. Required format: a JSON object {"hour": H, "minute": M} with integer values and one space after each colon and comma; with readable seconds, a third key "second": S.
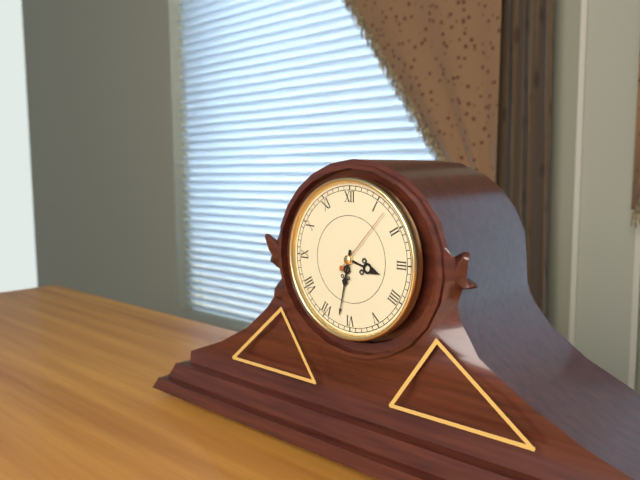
{"hour": 3, "minute": 32, "second": 7}
